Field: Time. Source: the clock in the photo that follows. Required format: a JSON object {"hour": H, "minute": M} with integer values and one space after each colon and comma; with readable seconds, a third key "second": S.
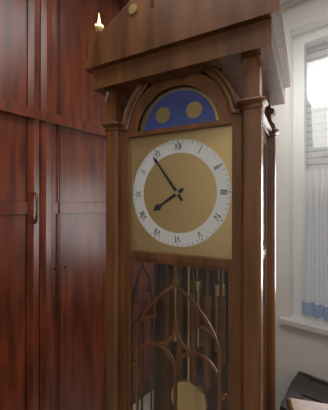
{"hour": 7, "minute": 54}
